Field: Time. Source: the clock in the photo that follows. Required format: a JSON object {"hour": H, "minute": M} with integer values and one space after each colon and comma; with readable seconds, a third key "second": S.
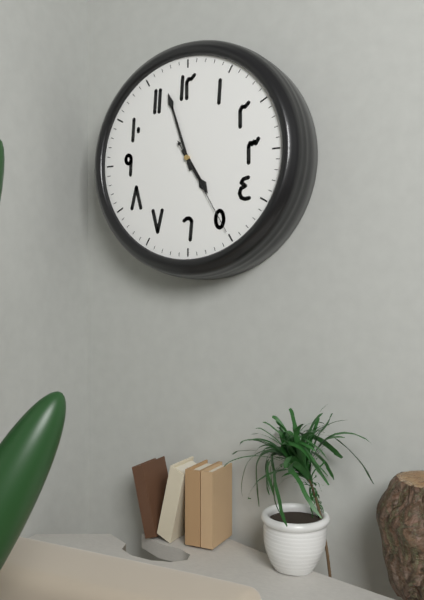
{"hour": 4, "minute": 57, "second": 25}
